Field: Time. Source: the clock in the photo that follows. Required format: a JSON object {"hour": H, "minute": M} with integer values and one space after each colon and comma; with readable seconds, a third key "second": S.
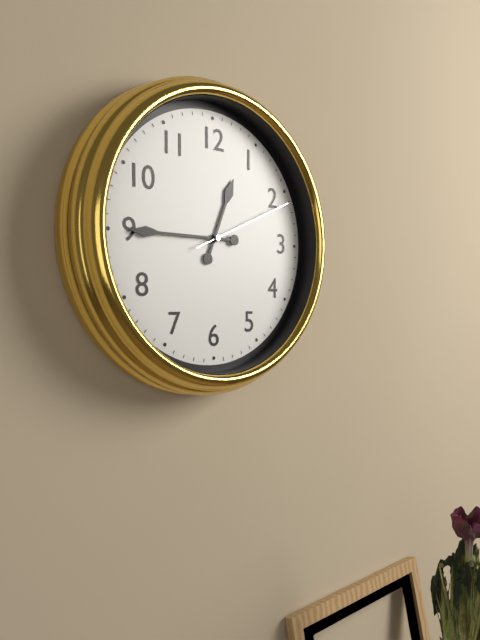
{"hour": 12, "minute": 45, "second": 11}
